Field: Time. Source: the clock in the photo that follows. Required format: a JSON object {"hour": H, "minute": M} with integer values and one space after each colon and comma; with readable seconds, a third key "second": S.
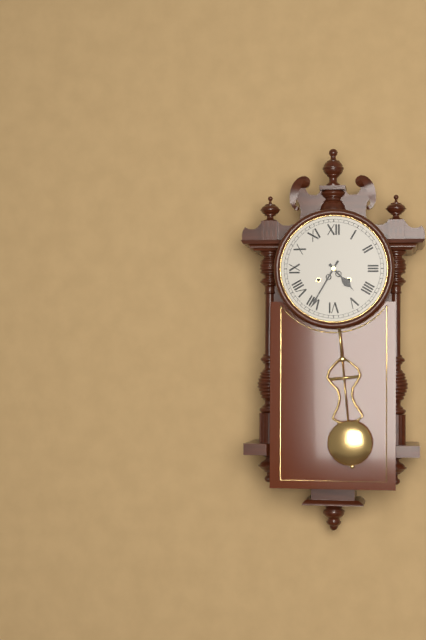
{"hour": 4, "minute": 35}
